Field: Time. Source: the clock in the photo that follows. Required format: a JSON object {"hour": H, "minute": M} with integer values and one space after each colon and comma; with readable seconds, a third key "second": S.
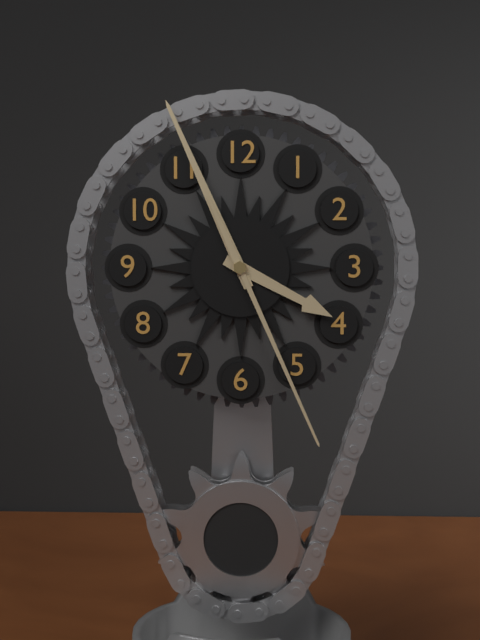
{"hour": 3, "minute": 56, "second": 26}
